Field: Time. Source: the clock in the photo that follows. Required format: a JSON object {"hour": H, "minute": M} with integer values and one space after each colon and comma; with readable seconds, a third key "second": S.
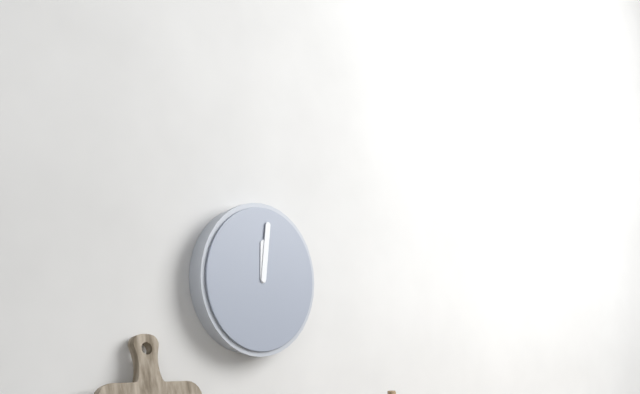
{"hour": 12, "minute": 1}
